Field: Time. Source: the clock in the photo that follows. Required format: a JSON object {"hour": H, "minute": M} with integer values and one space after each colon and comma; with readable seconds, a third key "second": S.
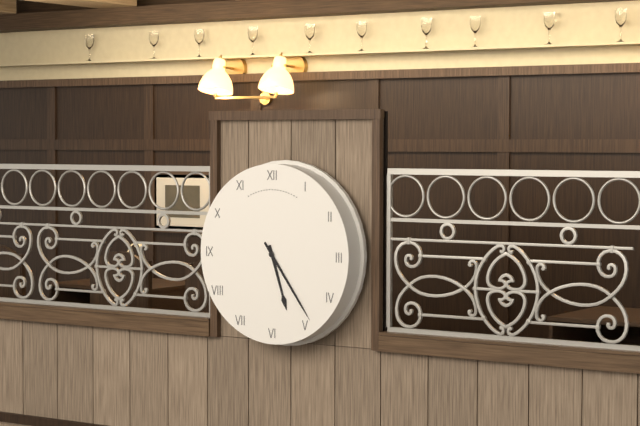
{"hour": 5, "minute": 24}
